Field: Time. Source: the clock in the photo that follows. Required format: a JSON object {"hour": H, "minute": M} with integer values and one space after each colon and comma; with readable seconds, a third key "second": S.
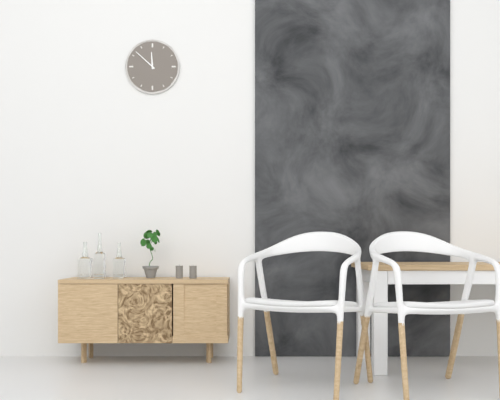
{"hour": 11, "minute": 52}
